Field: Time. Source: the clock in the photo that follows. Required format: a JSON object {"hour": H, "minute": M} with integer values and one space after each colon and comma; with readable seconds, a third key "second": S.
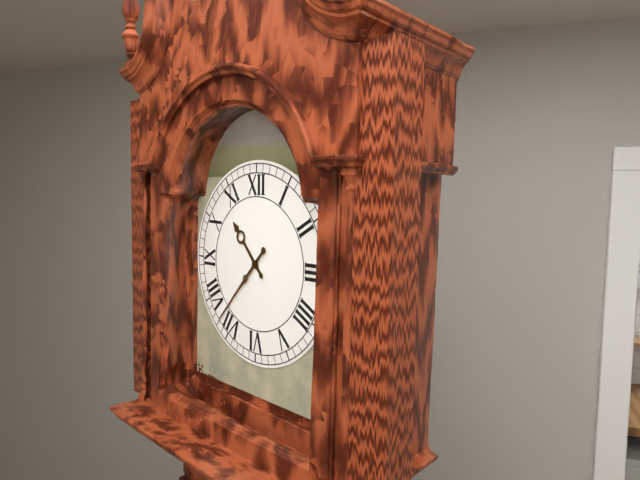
{"hour": 10, "minute": 37}
